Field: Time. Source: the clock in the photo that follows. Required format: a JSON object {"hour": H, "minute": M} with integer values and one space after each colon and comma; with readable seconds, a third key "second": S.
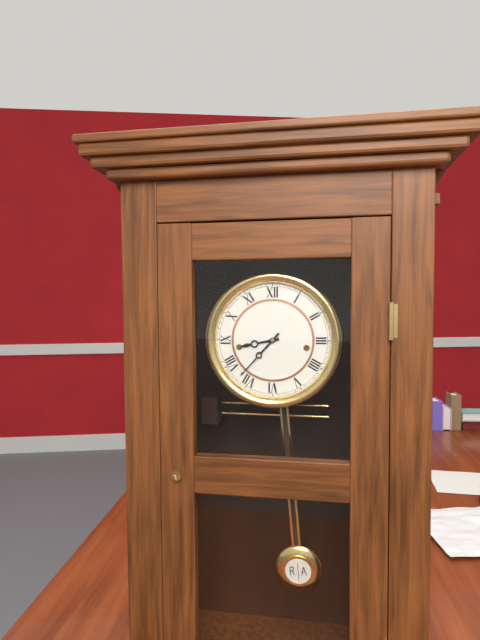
{"hour": 8, "minute": 37}
